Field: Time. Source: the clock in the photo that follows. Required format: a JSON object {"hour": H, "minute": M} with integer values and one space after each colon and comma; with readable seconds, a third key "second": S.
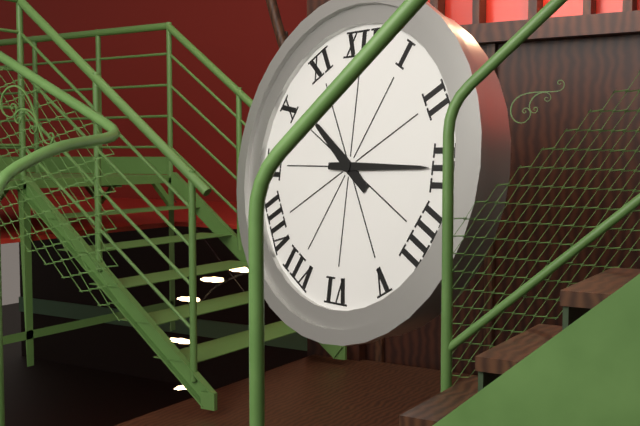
{"hour": 10, "minute": 15}
